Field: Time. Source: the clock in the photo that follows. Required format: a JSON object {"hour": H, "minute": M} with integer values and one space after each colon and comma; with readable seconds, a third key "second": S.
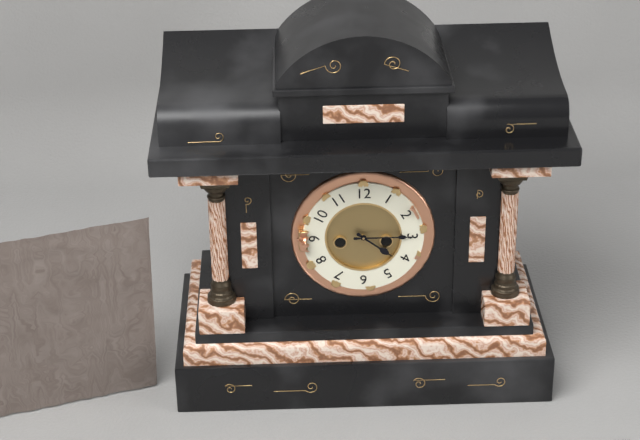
{"hour": 4, "minute": 15}
